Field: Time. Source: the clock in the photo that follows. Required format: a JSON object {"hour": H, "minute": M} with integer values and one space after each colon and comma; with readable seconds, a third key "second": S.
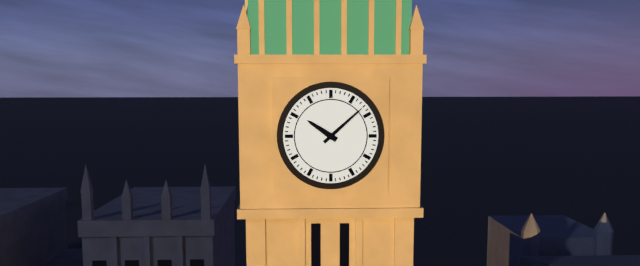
{"hour": 10, "minute": 8}
